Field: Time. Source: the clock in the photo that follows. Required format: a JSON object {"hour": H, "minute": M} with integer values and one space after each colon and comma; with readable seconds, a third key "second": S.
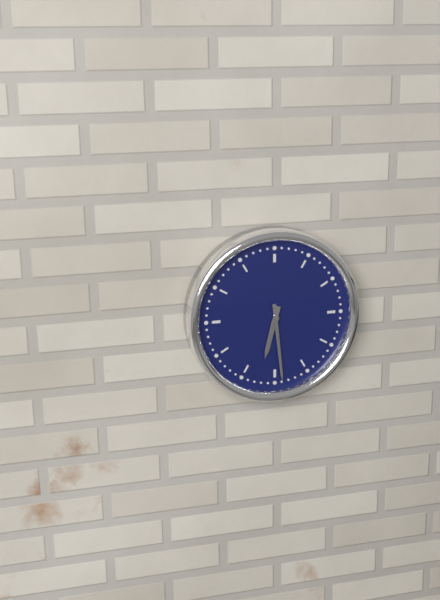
{"hour": 6, "minute": 29}
